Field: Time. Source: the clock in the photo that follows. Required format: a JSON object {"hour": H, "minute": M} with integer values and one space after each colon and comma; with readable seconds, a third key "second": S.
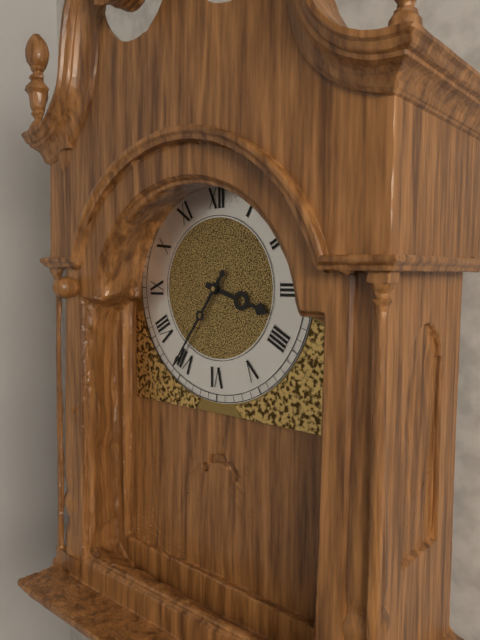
{"hour": 3, "minute": 36}
